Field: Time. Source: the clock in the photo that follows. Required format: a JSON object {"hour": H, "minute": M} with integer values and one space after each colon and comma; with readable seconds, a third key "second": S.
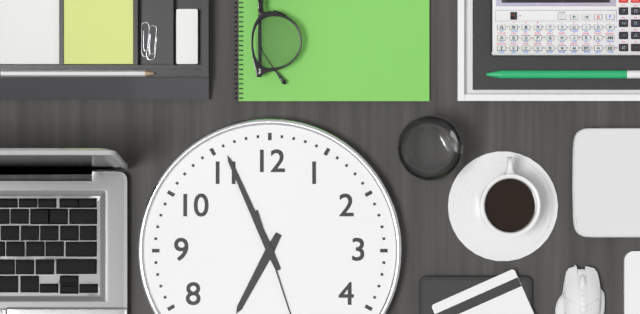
{"hour": 6, "minute": 56}
